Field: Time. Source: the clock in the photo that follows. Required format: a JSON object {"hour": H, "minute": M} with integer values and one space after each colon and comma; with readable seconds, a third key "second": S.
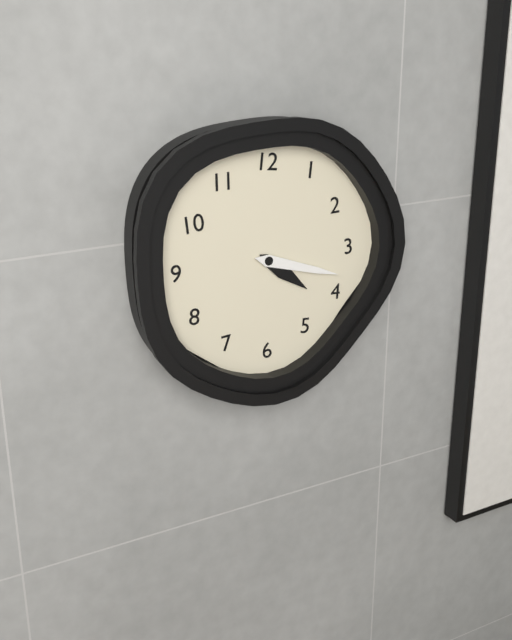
{"hour": 4, "minute": 18}
